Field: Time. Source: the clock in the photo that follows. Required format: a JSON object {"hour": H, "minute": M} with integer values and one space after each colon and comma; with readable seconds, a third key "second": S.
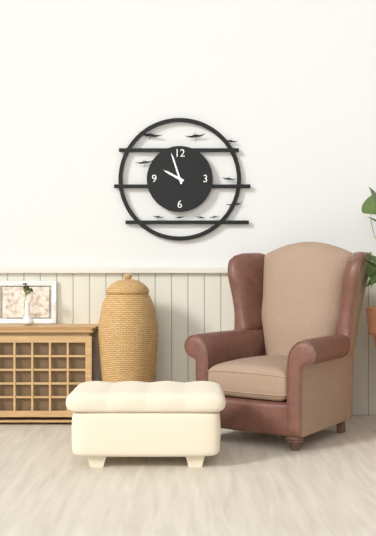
{"hour": 9, "minute": 57}
